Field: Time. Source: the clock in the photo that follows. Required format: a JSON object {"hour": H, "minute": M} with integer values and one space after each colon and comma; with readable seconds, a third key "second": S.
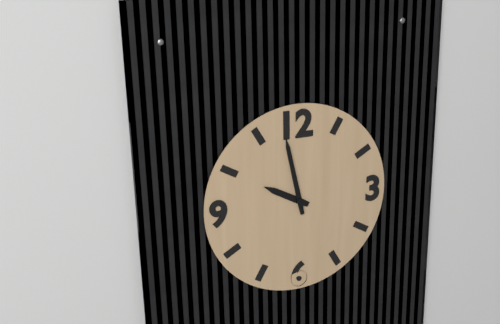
{"hour": 9, "minute": 58}
